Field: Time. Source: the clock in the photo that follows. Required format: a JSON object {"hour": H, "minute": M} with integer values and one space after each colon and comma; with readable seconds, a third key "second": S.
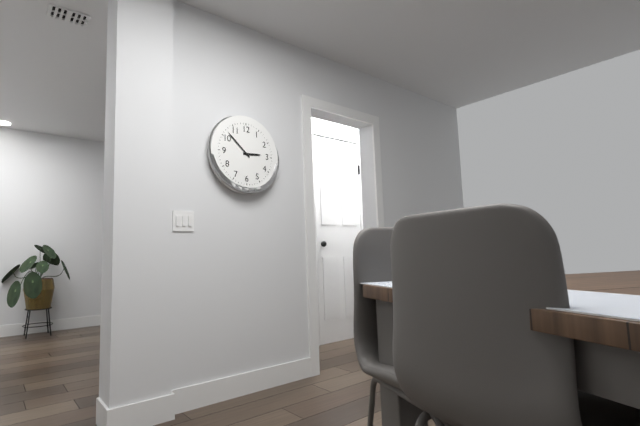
{"hour": 2, "minute": 52}
